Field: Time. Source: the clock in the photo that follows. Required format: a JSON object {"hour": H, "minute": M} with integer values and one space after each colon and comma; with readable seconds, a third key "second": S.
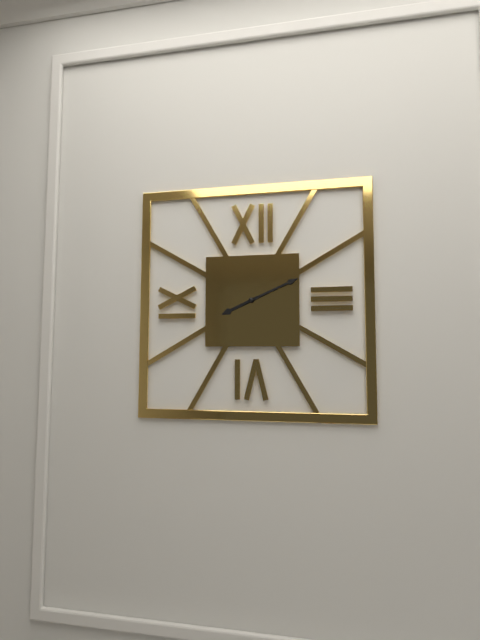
{"hour": 8, "minute": 11}
